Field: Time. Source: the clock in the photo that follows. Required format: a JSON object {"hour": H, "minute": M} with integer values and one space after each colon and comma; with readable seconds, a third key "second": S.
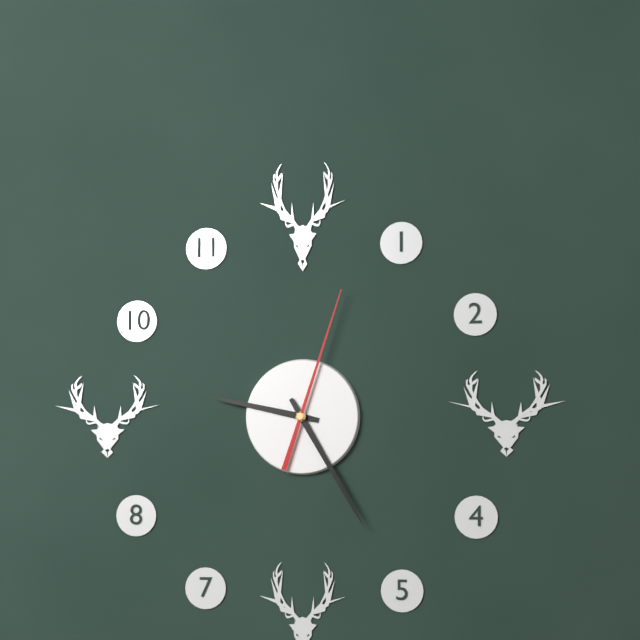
{"hour": 9, "minute": 25, "second": 3}
